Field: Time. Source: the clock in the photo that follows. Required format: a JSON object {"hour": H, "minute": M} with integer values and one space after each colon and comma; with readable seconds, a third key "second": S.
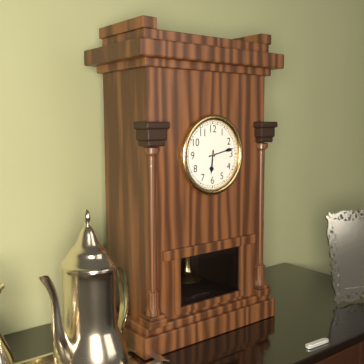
{"hour": 6, "minute": 13}
